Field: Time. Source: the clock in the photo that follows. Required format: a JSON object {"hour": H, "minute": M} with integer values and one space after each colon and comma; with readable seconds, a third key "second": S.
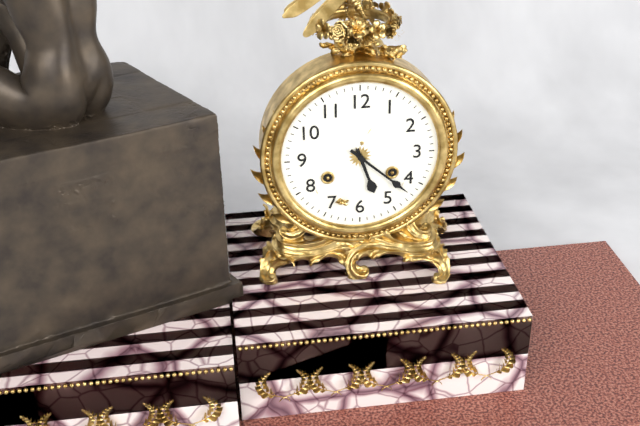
{"hour": 5, "minute": 22}
